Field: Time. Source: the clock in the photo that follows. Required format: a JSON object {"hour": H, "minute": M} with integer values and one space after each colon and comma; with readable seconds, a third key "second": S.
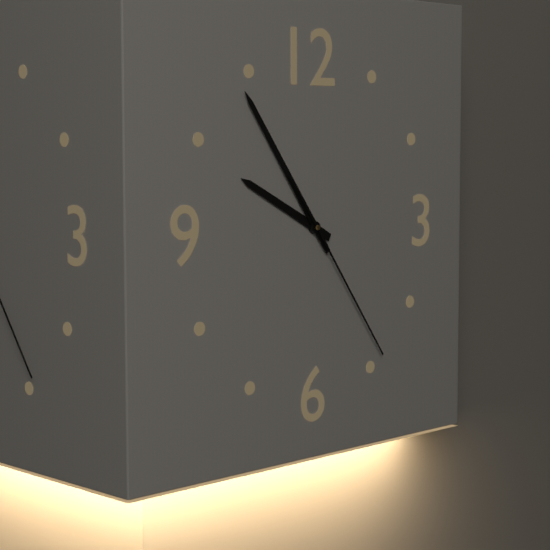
{"hour": 9, "minute": 54, "second": 24}
